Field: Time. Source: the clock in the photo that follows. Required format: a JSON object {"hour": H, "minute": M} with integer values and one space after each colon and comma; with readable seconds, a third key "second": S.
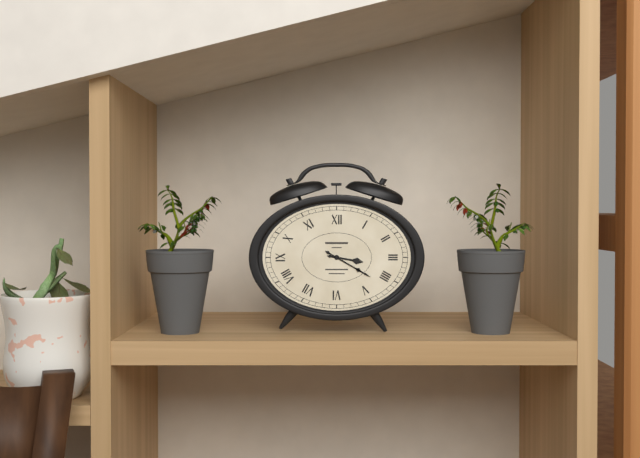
{"hour": 3, "minute": 20}
